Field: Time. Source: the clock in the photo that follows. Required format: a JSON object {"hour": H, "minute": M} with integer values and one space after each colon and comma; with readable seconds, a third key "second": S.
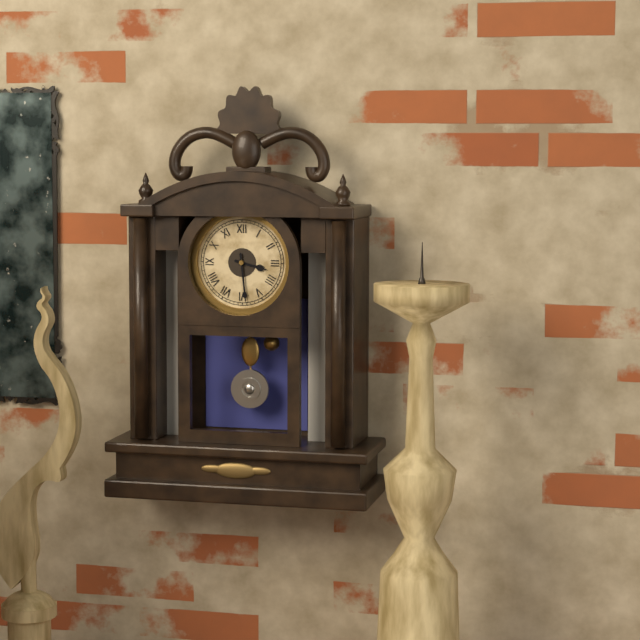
{"hour": 3, "minute": 29}
